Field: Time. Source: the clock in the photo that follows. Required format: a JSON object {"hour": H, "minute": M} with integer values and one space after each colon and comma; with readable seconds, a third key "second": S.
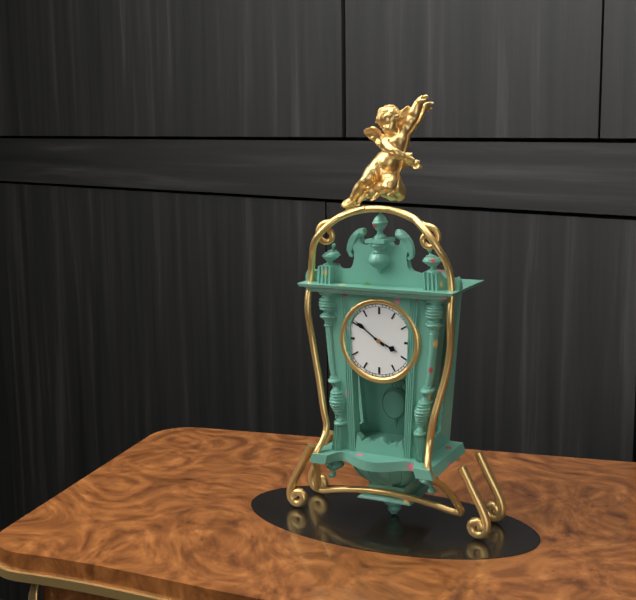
{"hour": 3, "minute": 51}
